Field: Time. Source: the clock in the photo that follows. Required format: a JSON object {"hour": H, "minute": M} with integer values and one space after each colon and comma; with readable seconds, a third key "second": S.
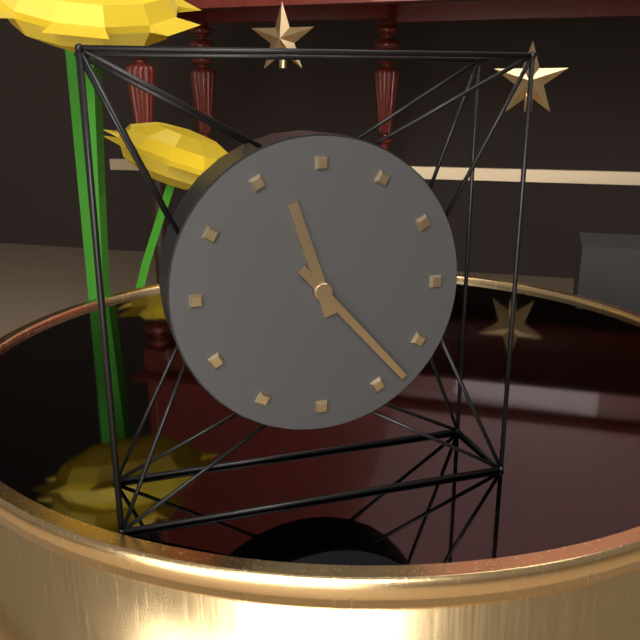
{"hour": 11, "minute": 23}
